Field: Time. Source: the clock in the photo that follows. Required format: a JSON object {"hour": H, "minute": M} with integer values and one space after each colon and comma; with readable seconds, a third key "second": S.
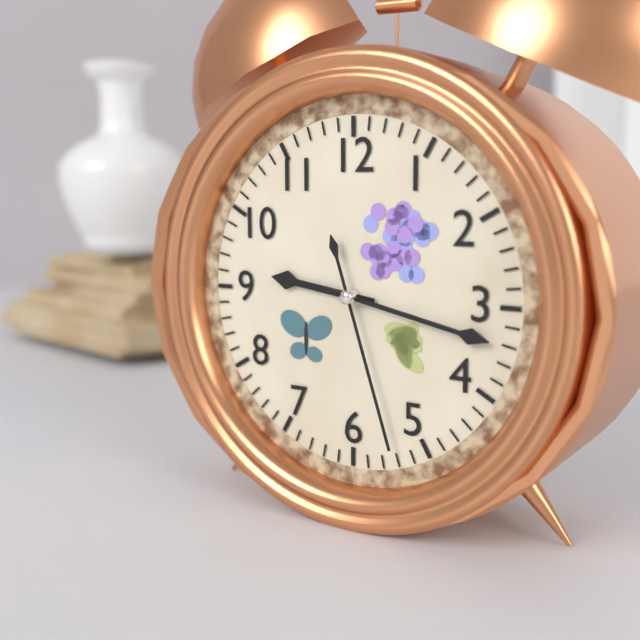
{"hour": 9, "minute": 17, "second": 27}
